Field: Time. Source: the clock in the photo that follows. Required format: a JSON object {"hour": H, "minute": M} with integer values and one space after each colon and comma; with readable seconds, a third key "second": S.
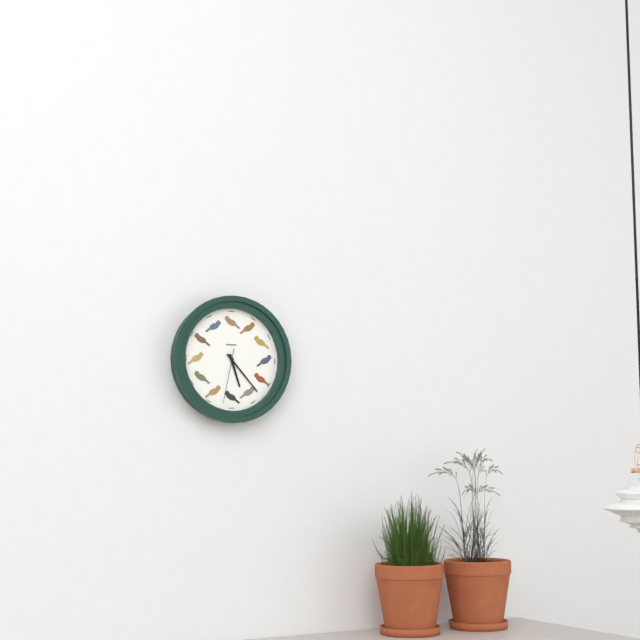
{"hour": 5, "minute": 23, "second": 32}
